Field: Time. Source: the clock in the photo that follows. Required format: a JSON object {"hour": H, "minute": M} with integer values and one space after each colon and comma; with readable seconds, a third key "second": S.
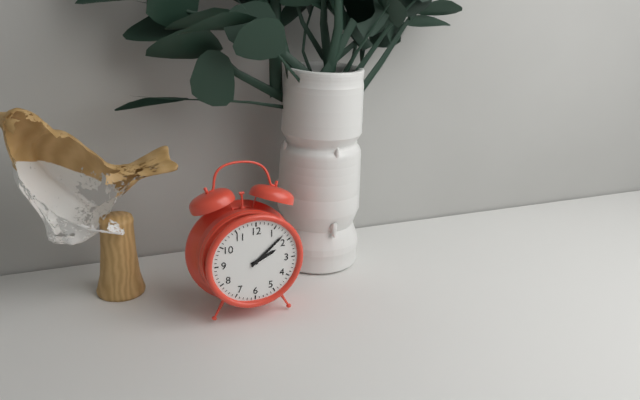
{"hour": 2, "minute": 8}
